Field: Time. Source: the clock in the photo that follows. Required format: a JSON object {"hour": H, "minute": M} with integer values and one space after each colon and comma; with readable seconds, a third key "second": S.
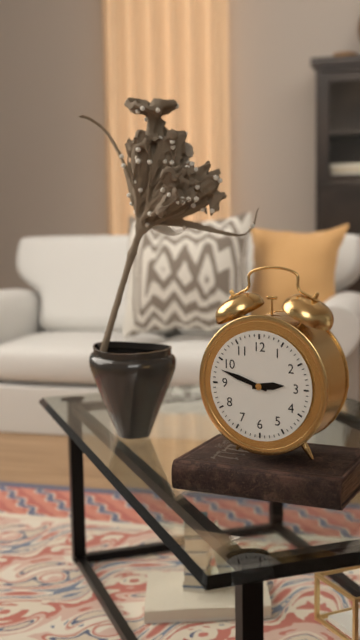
{"hour": 2, "minute": 48}
